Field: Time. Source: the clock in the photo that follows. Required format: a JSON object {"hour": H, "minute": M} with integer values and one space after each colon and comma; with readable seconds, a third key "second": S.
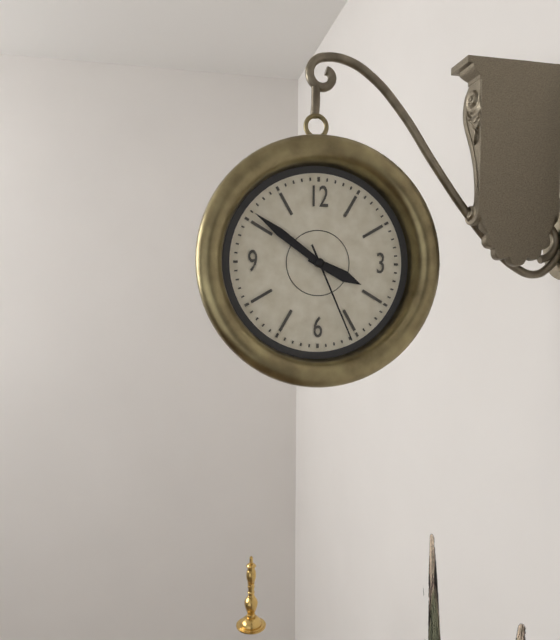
{"hour": 3, "minute": 51, "second": 26}
